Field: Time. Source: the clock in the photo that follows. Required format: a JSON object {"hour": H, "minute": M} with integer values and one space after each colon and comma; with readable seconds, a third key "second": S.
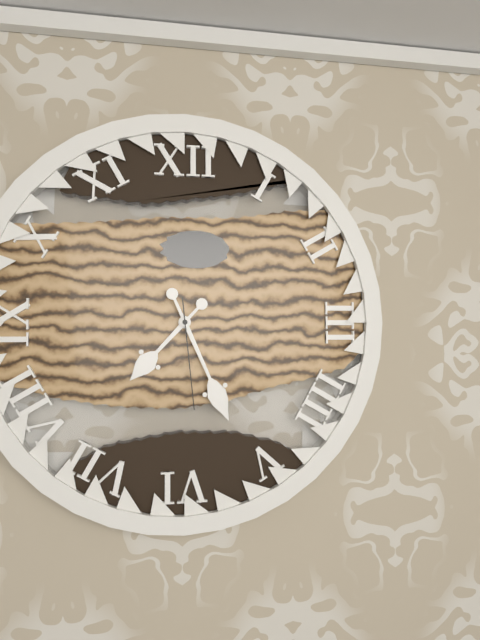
{"hour": 7, "minute": 26, "second": 29}
